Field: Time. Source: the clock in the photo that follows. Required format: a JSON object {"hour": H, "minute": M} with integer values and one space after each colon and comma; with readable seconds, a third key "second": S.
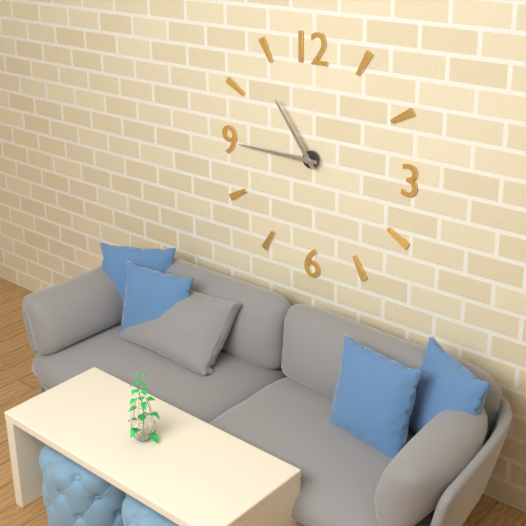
{"hour": 10, "minute": 45}
